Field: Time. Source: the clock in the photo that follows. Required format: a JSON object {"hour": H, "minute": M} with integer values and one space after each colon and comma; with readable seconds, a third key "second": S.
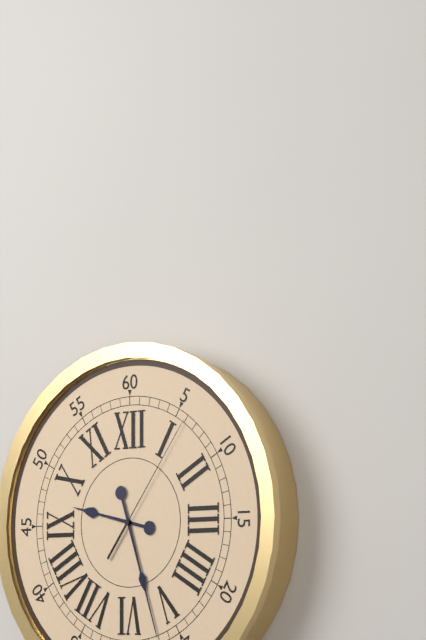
{"hour": 9, "minute": 27, "second": 6}
